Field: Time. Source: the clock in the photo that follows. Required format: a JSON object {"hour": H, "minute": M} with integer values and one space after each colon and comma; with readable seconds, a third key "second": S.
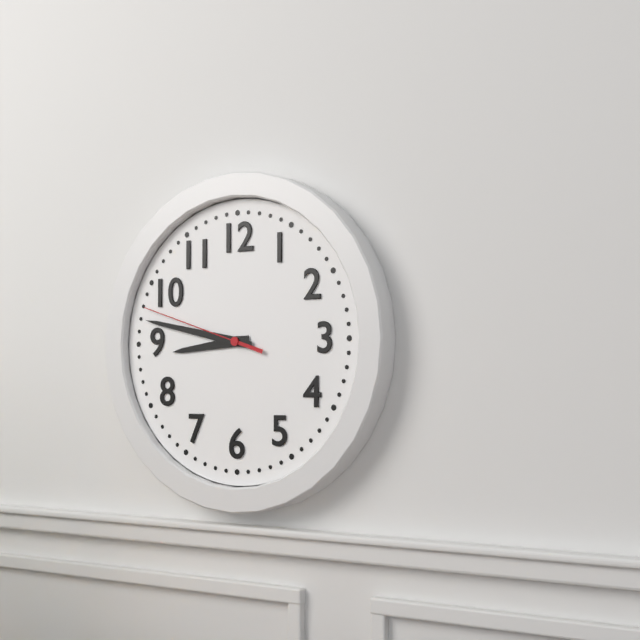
{"hour": 8, "minute": 47, "second": 48}
